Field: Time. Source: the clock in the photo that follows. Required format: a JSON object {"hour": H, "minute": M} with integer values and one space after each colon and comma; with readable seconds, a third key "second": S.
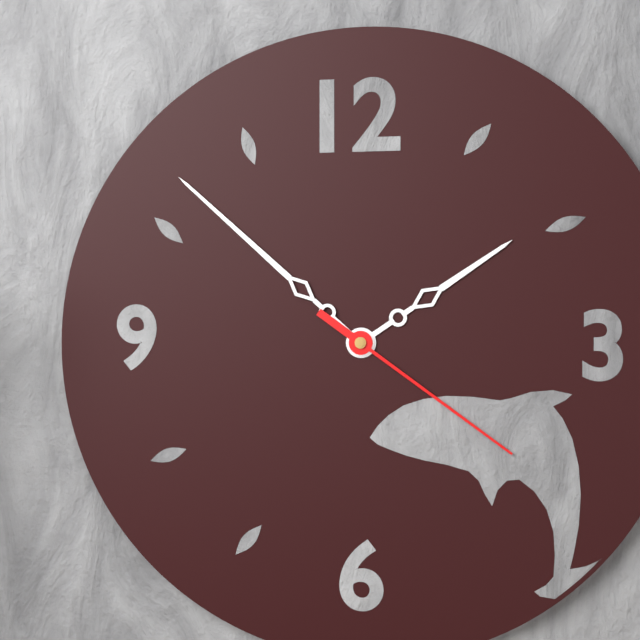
{"hour": 1, "minute": 52, "second": 21}
